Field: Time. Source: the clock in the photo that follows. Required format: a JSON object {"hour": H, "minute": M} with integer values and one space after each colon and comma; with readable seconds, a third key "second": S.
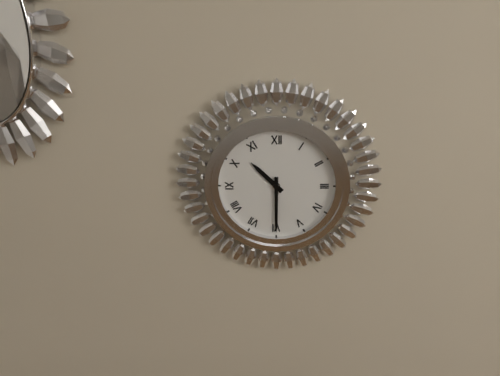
{"hour": 10, "minute": 30}
